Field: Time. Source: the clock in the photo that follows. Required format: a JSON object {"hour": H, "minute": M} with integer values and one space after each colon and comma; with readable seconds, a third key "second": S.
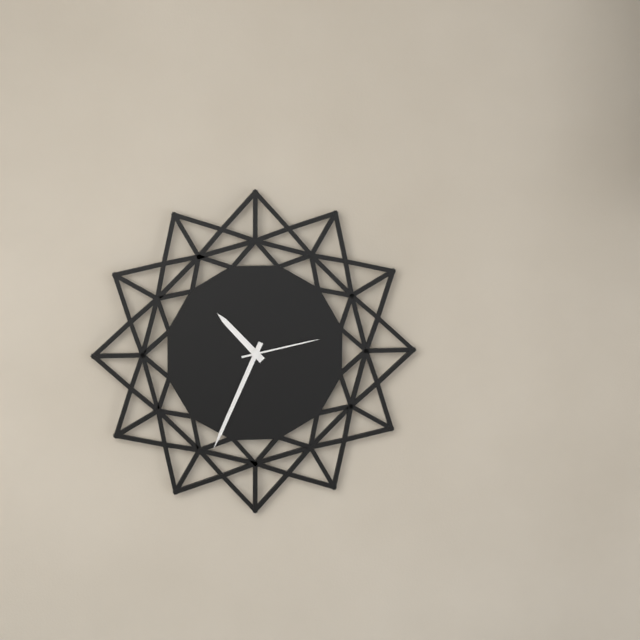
{"hour": 10, "minute": 34, "second": 13}
